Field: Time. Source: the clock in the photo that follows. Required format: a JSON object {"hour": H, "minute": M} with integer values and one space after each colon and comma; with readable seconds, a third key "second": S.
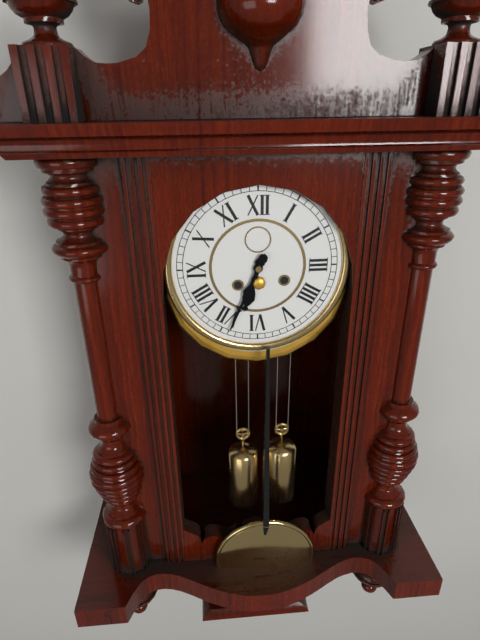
{"hour": 6, "minute": 34}
